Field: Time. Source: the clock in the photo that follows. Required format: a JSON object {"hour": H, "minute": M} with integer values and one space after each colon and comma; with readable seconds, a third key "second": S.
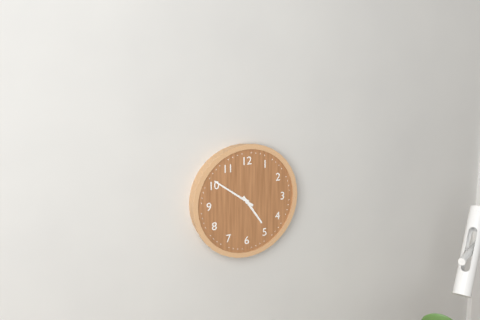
{"hour": 4, "minute": 51}
